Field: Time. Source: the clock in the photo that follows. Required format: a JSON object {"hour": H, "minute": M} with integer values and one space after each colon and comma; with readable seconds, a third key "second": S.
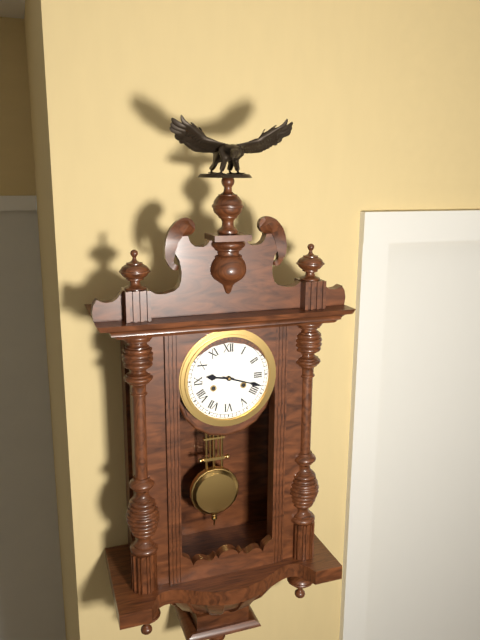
{"hour": 9, "minute": 18}
